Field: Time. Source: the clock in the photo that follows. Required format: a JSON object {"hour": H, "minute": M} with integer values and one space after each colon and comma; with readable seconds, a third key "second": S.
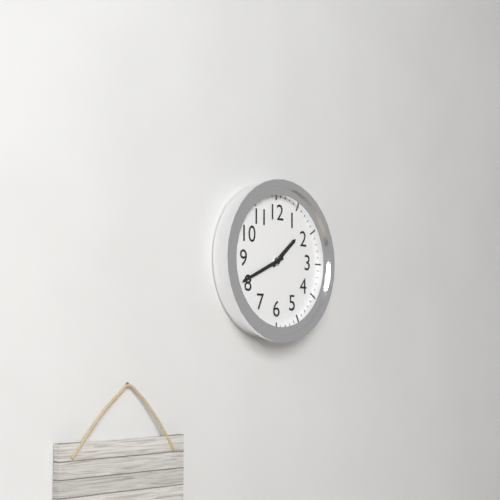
{"hour": 1, "minute": 41}
